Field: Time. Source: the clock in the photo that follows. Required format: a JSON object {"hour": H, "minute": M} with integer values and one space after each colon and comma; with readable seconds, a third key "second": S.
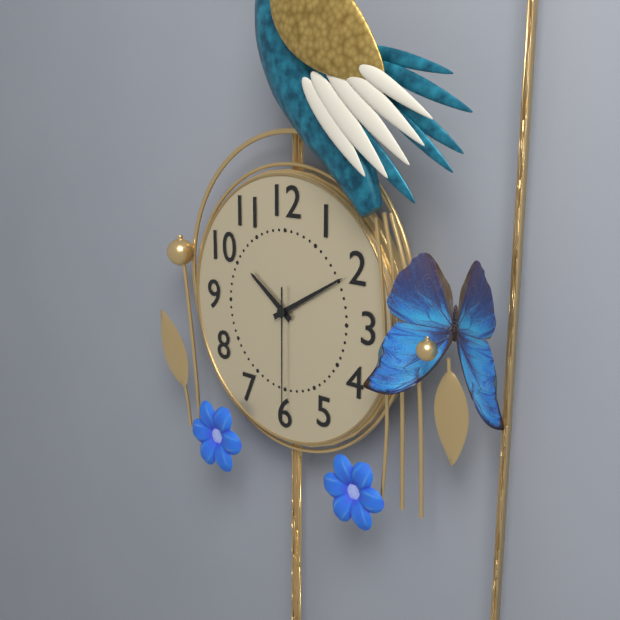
{"hour": 10, "minute": 10, "second": 30}
